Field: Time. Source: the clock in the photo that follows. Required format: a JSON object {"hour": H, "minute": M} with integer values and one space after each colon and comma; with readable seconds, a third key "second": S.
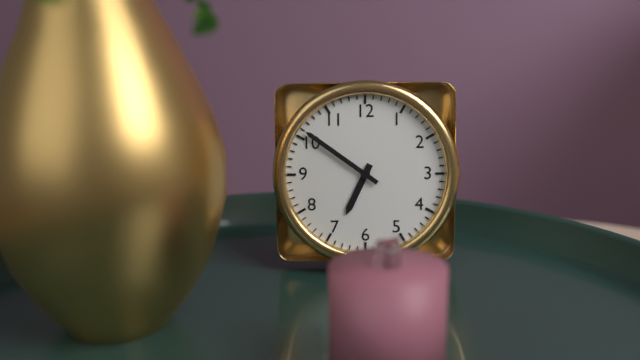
{"hour": 6, "minute": 51}
